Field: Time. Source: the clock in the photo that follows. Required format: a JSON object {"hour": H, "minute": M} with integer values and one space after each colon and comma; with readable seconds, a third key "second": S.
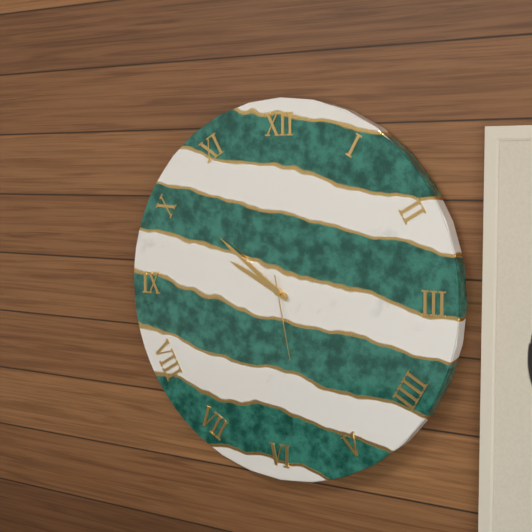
{"hour": 9, "minute": 51, "second": 28}
